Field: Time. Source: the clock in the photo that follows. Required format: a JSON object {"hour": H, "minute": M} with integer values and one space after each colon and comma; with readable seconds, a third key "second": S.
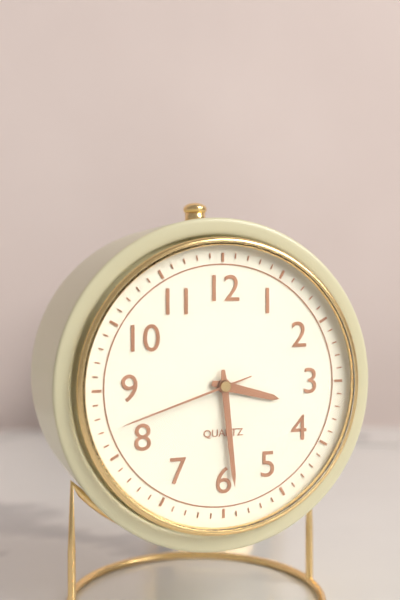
{"hour": 3, "minute": 29, "second": 42}
